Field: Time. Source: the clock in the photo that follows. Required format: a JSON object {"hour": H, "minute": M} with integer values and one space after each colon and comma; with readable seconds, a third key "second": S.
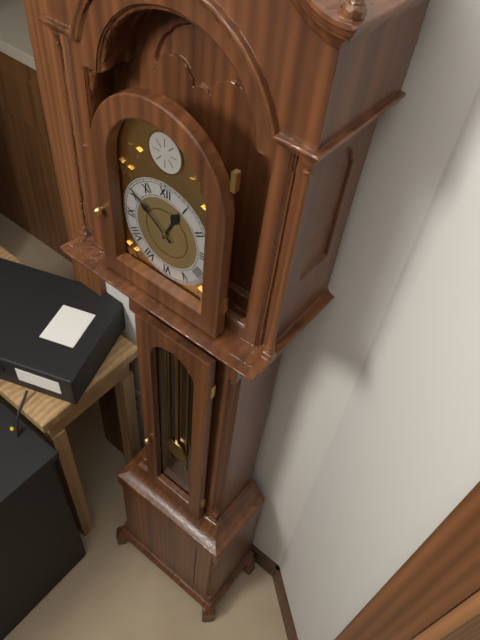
{"hour": 12, "minute": 51}
